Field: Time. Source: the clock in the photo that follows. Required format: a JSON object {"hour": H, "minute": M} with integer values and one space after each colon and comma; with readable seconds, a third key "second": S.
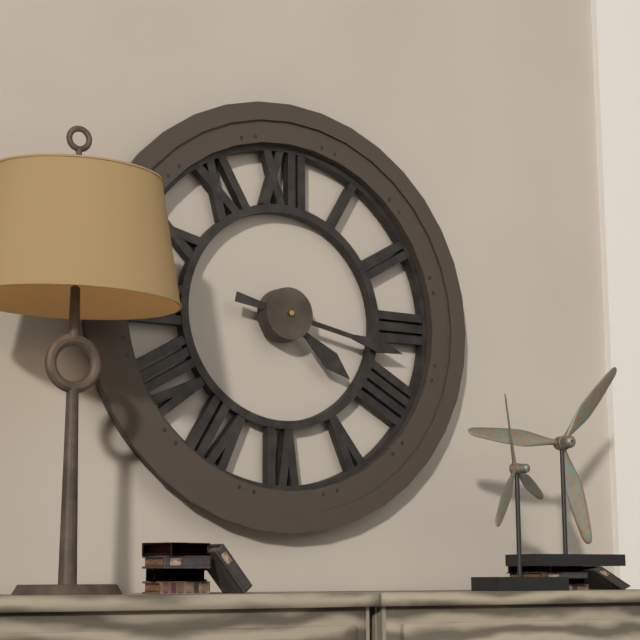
{"hour": 4, "minute": 17}
